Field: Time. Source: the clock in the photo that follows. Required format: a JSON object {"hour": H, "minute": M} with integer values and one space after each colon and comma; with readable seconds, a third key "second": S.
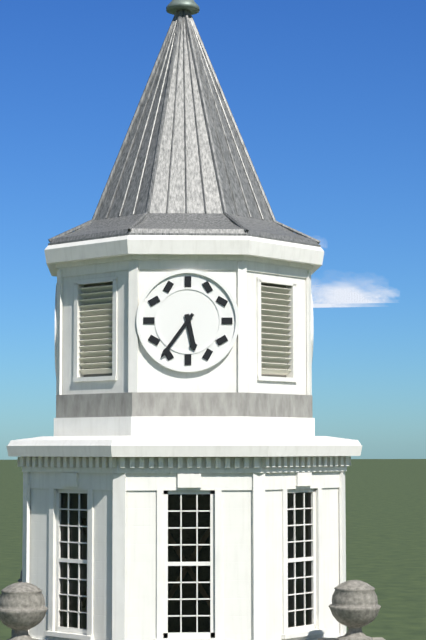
{"hour": 5, "minute": 36}
